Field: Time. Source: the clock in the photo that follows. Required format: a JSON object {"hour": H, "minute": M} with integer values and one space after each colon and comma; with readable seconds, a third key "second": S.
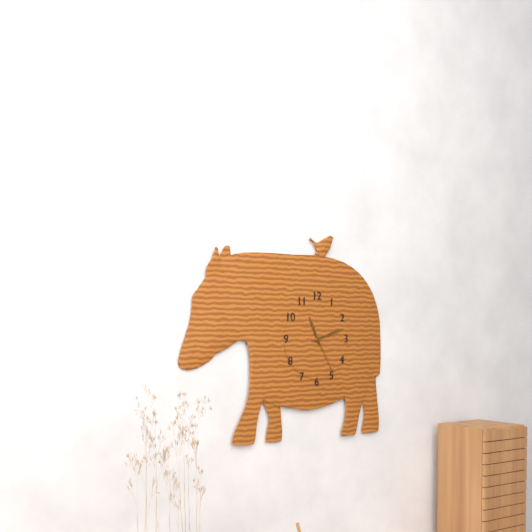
{"hour": 11, "minute": 12}
